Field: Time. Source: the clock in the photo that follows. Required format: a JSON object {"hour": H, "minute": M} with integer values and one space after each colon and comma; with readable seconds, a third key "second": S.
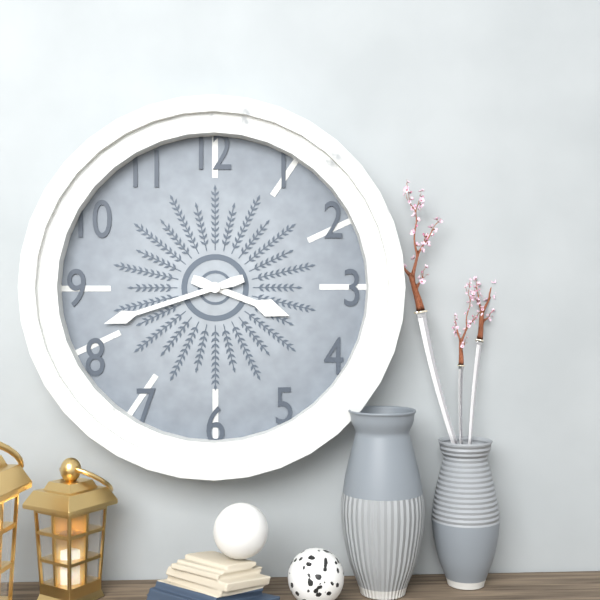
{"hour": 3, "minute": 42}
